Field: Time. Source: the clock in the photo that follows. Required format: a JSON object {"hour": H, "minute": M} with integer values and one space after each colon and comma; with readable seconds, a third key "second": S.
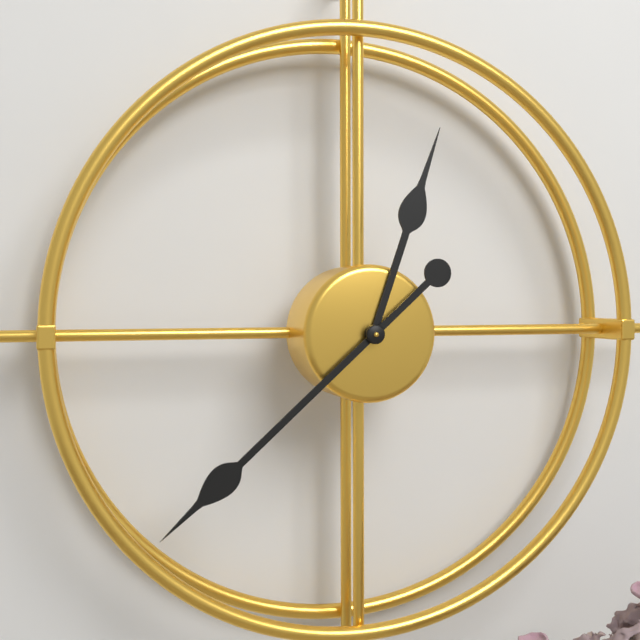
{"hour": 12, "minute": 38}
